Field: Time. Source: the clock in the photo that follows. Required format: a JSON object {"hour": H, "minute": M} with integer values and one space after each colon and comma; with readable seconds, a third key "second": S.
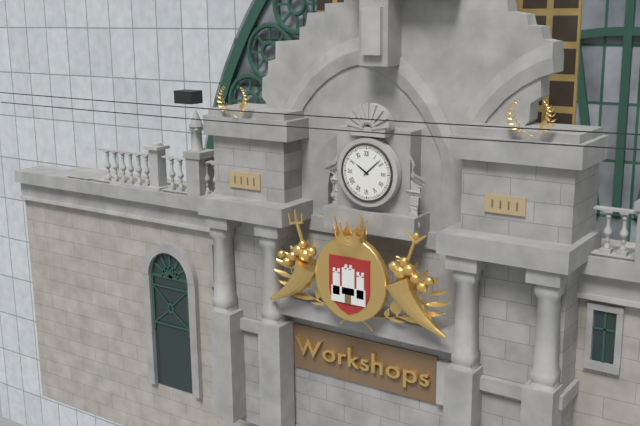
{"hour": 10, "minute": 8}
